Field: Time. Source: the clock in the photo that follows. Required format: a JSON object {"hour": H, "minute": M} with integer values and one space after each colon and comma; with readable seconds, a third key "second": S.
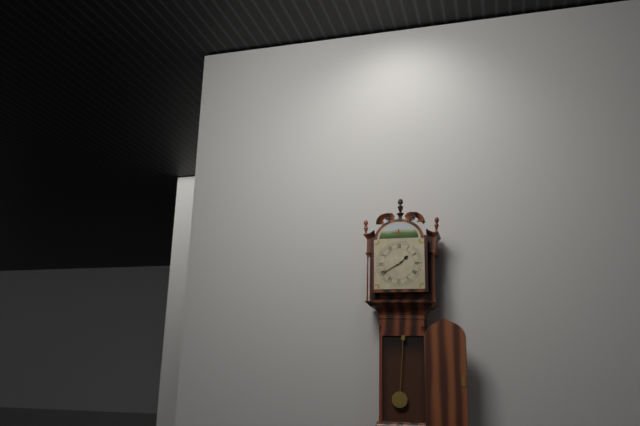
{"hour": 1, "minute": 40}
